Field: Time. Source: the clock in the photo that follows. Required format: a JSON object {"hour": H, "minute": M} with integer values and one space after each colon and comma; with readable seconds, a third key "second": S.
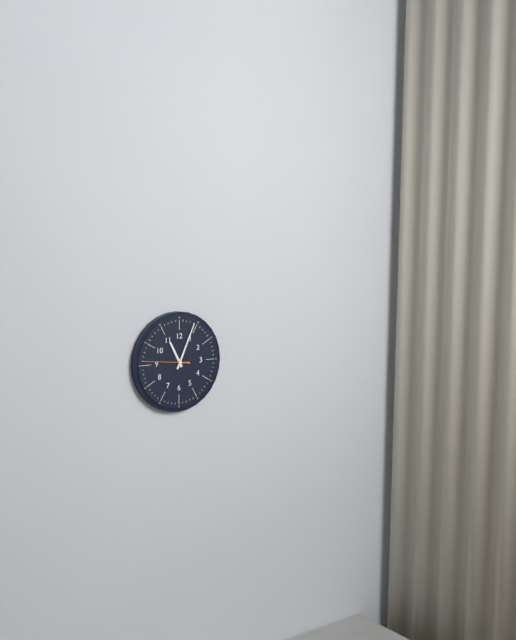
{"hour": 11, "minute": 4}
